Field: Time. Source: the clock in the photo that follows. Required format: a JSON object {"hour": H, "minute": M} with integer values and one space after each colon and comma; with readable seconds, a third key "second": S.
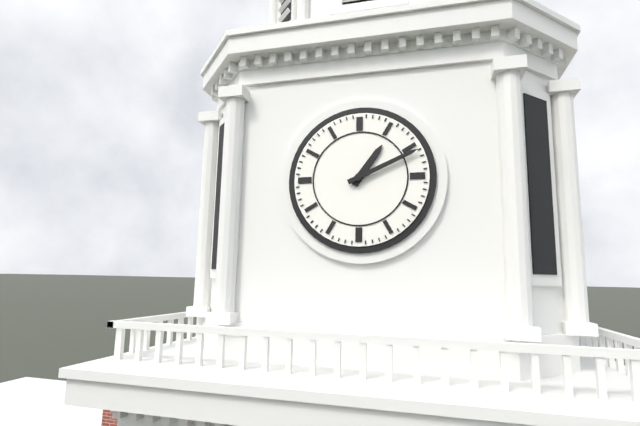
{"hour": 1, "minute": 11}
